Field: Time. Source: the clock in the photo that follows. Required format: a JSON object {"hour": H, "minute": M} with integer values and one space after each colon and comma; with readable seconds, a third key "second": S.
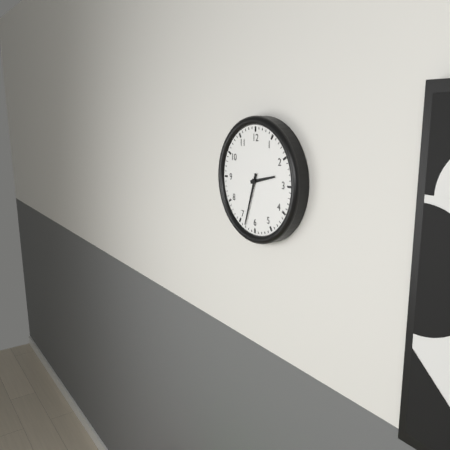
{"hour": 2, "minute": 33}
